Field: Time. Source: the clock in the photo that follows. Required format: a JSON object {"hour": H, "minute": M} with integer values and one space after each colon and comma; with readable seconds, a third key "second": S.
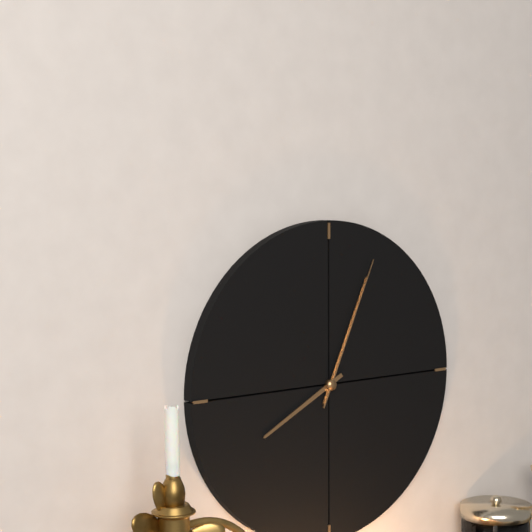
{"hour": 8, "minute": 4, "second": 4}
